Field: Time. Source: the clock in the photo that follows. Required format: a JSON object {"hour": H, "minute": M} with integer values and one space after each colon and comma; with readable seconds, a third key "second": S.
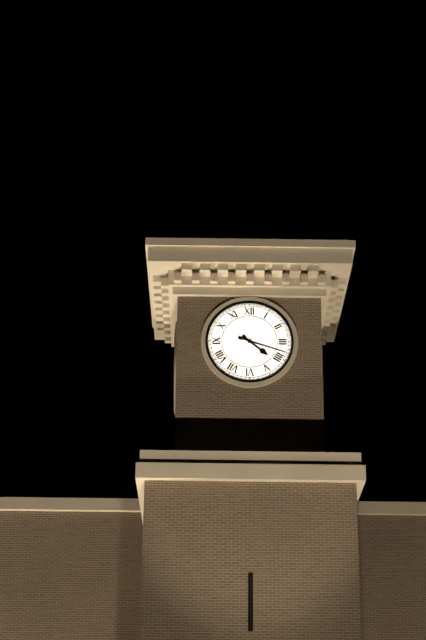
{"hour": 4, "minute": 18}
